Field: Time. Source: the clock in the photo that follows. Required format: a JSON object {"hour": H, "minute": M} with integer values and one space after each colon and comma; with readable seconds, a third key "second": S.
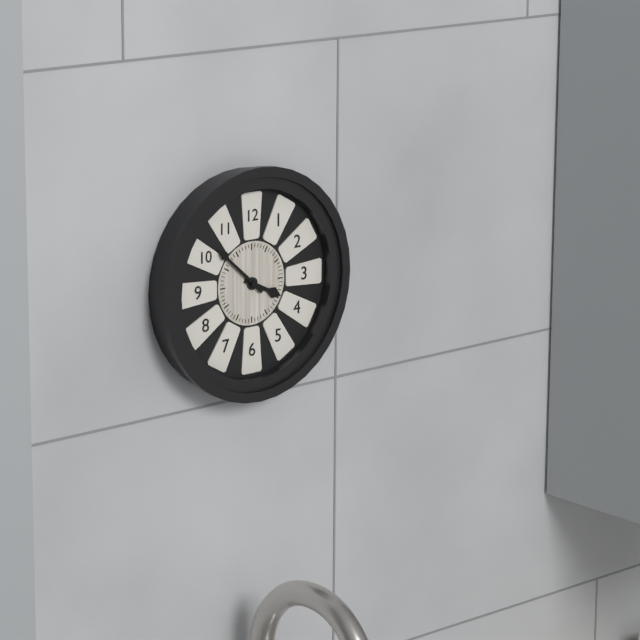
{"hour": 3, "minute": 52}
